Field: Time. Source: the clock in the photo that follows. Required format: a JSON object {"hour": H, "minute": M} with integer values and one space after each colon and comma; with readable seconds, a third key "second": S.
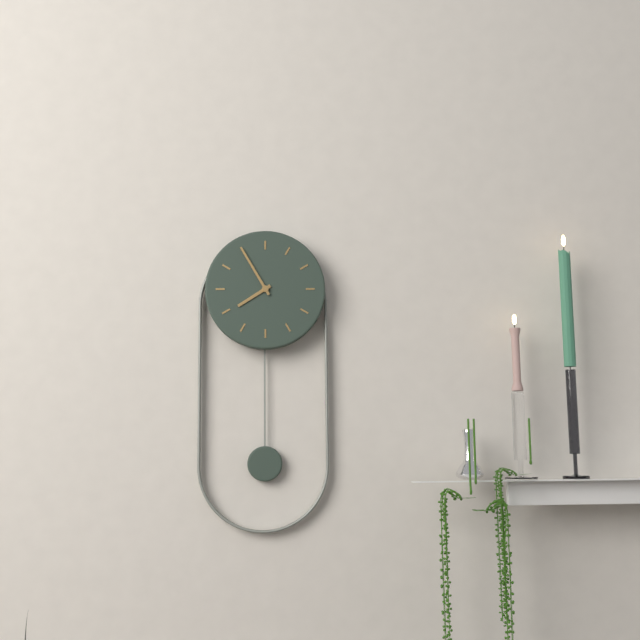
{"hour": 7, "minute": 55}
